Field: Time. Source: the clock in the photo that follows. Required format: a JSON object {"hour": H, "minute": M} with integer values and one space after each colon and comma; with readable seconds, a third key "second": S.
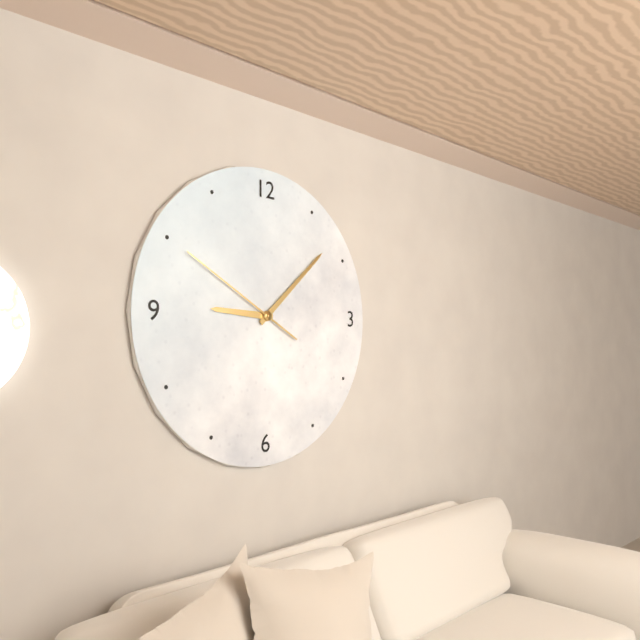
{"hour": 9, "minute": 8, "second": 50}
